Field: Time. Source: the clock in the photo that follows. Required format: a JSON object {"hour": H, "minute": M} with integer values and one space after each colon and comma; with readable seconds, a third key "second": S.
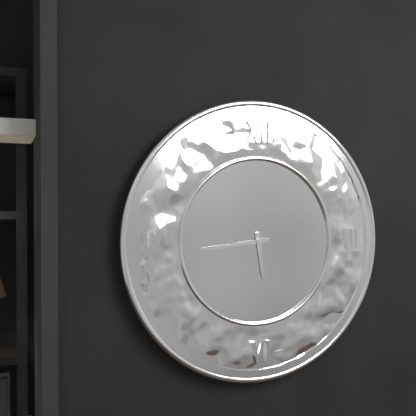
{"hour": 5, "minute": 44}
